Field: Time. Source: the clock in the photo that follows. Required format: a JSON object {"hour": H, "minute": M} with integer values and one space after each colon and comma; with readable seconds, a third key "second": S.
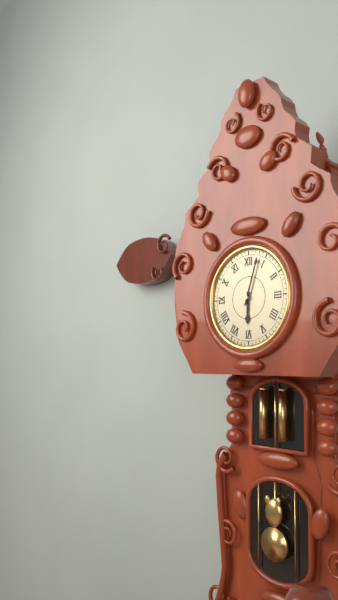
{"hour": 6, "minute": 3}
